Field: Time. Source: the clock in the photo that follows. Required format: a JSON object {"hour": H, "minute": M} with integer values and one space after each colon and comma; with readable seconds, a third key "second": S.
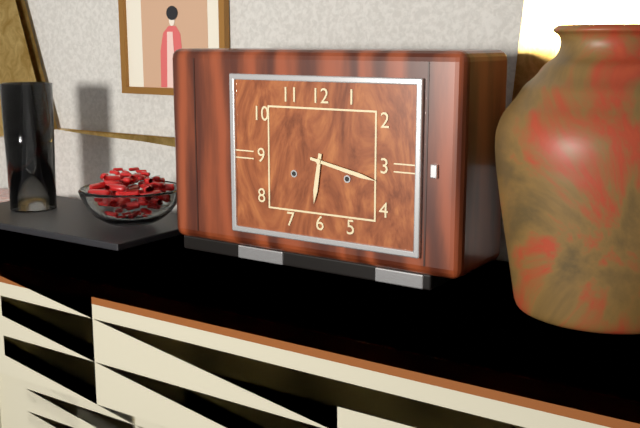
{"hour": 6, "minute": 17}
